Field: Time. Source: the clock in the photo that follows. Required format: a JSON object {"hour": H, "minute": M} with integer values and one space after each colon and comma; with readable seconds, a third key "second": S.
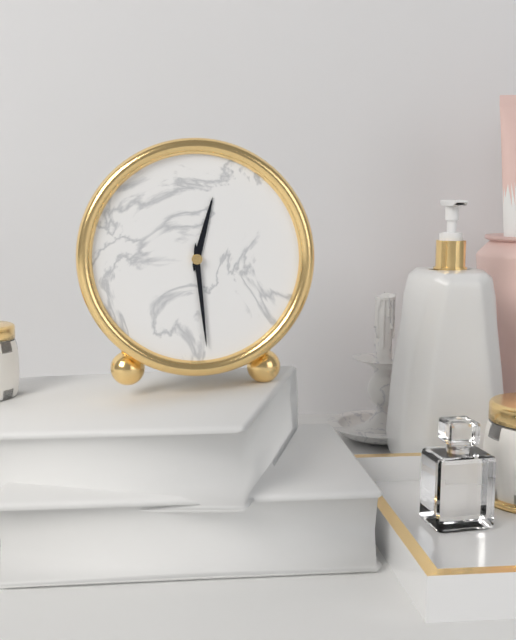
{"hour": 12, "minute": 29}
